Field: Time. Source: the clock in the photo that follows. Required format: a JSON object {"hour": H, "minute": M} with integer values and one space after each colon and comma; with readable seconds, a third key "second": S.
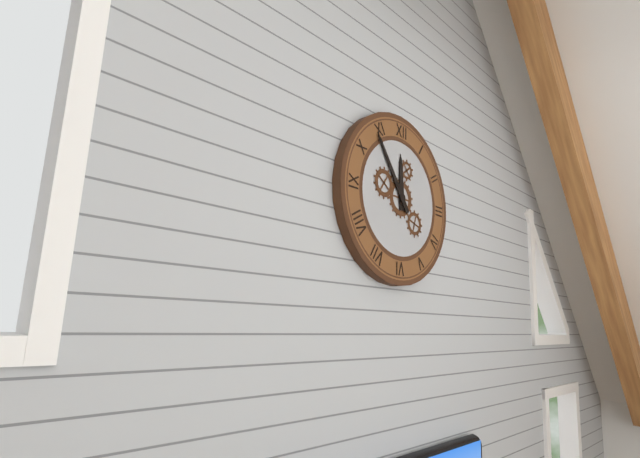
{"hour": 11, "minute": 54}
